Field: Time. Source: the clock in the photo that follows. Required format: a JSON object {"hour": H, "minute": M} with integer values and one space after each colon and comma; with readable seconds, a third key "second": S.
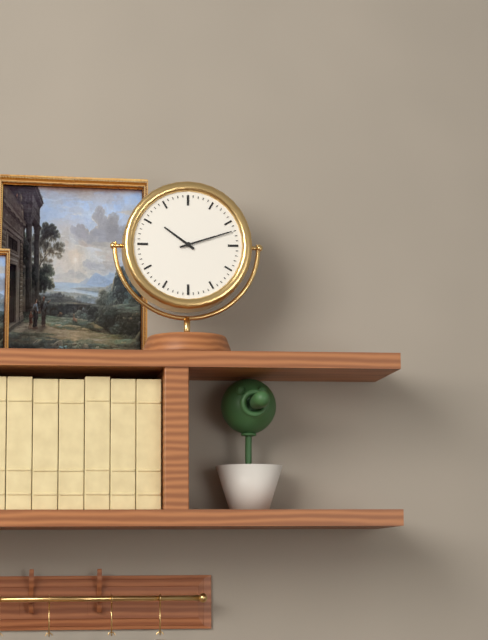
{"hour": 10, "minute": 12}
